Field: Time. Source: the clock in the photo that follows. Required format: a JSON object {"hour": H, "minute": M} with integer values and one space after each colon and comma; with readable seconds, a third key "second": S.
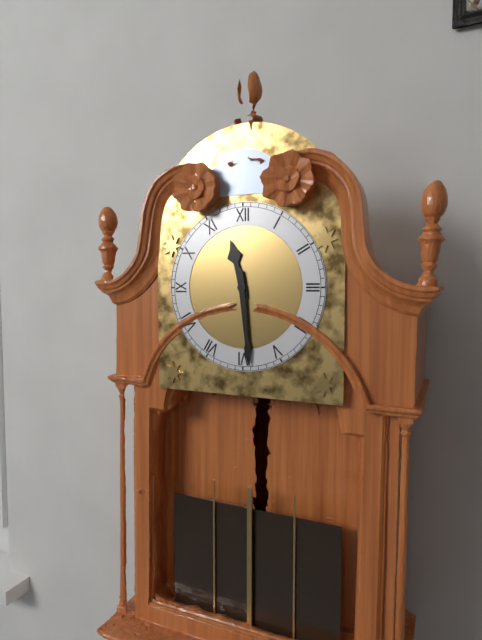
{"hour": 11, "minute": 29}
